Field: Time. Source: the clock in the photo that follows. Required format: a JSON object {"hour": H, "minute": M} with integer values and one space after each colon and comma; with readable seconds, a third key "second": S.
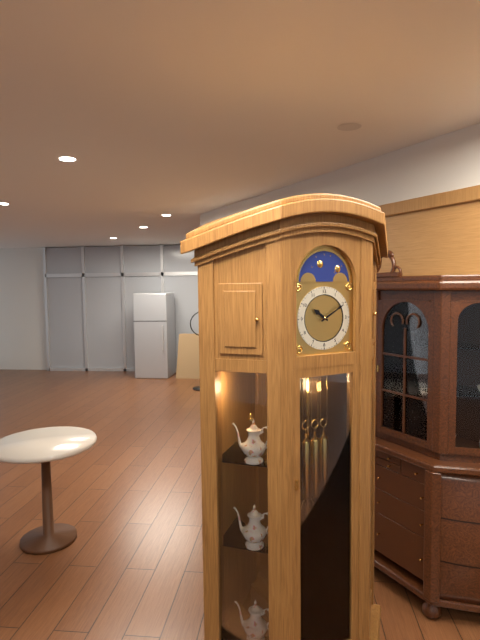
{"hour": 10, "minute": 10}
